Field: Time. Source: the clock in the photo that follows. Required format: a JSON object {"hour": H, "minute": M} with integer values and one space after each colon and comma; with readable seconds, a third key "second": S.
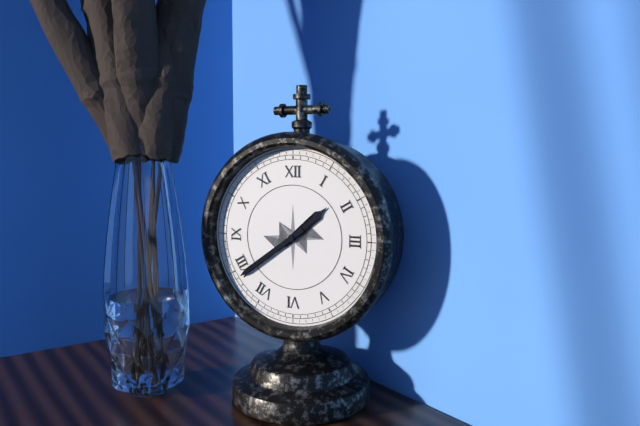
{"hour": 1, "minute": 39}
